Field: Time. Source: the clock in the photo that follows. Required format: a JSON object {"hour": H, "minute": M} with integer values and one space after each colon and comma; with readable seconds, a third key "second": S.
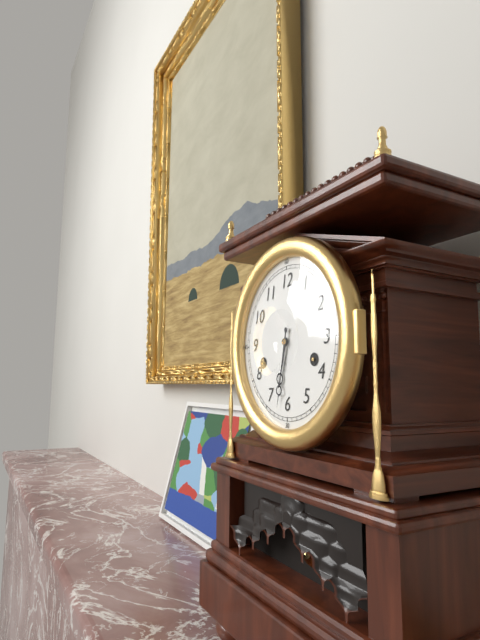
{"hour": 6, "minute": 32}
